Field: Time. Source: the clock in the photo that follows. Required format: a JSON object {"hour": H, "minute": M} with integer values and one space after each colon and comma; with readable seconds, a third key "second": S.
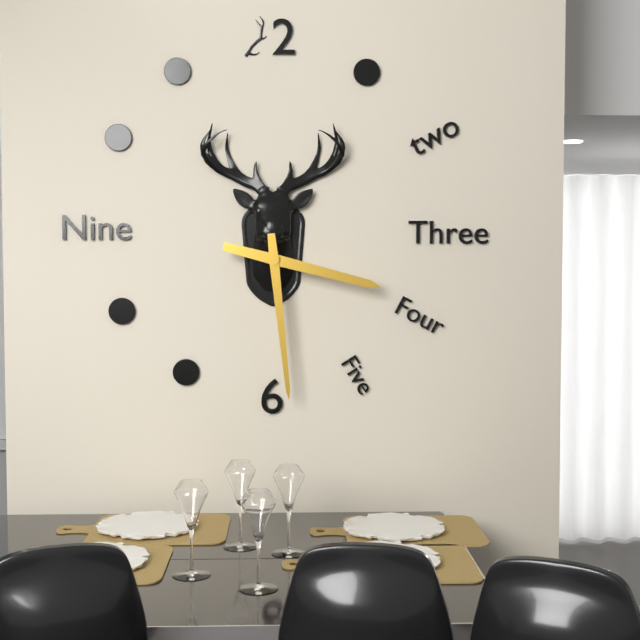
{"hour": 3, "minute": 29}
